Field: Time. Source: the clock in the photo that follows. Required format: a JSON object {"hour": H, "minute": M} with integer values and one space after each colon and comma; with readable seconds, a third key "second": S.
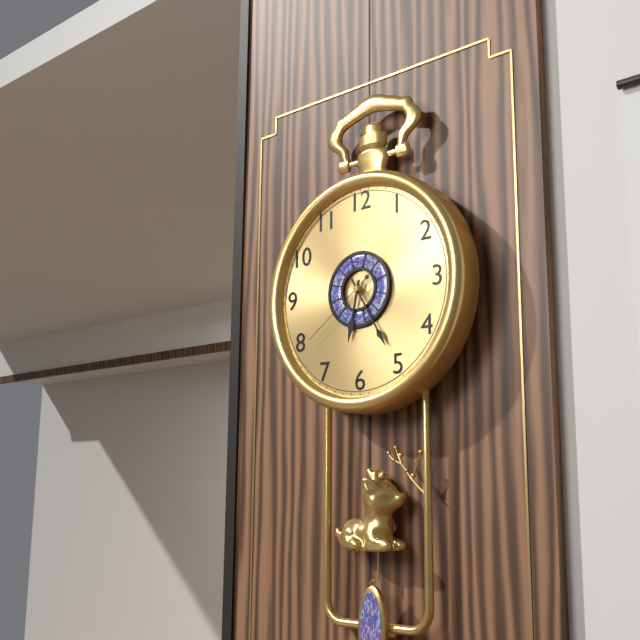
{"hour": 6, "minute": 25, "second": 39}
